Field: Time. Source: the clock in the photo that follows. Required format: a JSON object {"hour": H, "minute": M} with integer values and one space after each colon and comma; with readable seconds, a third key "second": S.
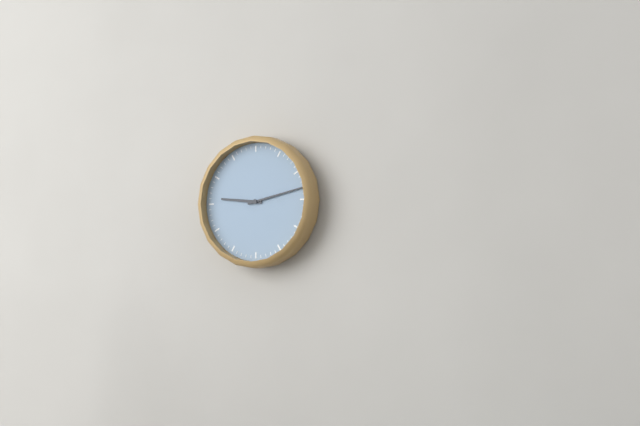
{"hour": 9, "minute": 13}
